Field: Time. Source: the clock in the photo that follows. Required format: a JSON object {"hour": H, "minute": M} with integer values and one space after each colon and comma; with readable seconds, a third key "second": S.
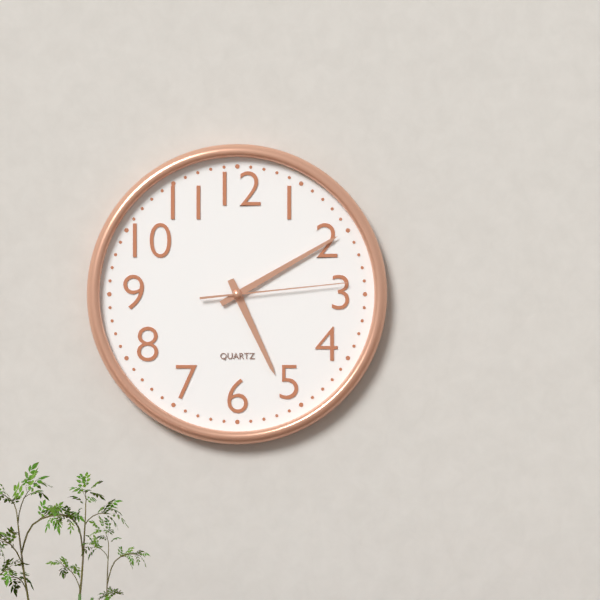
{"hour": 5, "minute": 10, "second": 14}
